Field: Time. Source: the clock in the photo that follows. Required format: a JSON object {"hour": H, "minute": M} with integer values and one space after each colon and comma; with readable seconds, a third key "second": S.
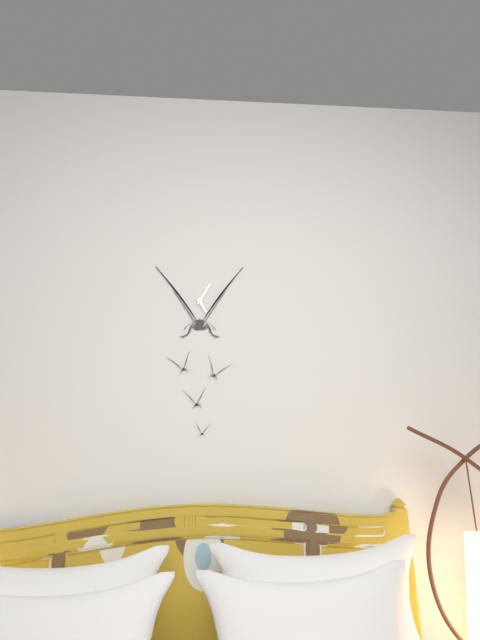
{"hour": 5, "minute": 5}
